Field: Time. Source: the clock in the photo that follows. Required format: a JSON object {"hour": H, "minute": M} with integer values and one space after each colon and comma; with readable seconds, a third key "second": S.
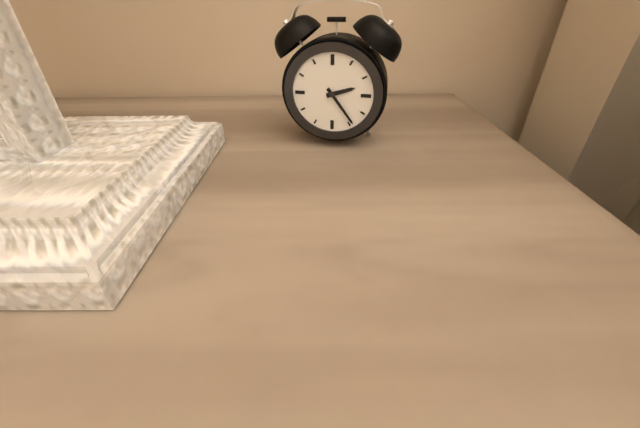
{"hour": 2, "minute": 24}
